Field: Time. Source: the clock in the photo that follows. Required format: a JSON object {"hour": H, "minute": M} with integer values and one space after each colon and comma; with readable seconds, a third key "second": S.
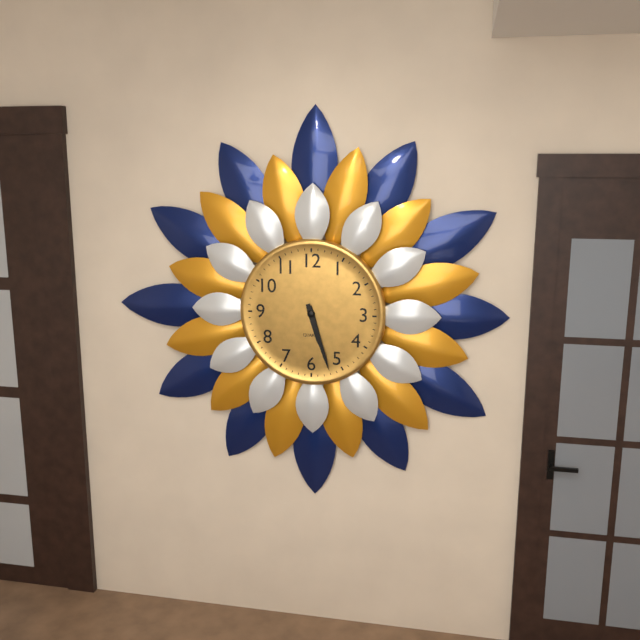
{"hour": 5, "minute": 27}
